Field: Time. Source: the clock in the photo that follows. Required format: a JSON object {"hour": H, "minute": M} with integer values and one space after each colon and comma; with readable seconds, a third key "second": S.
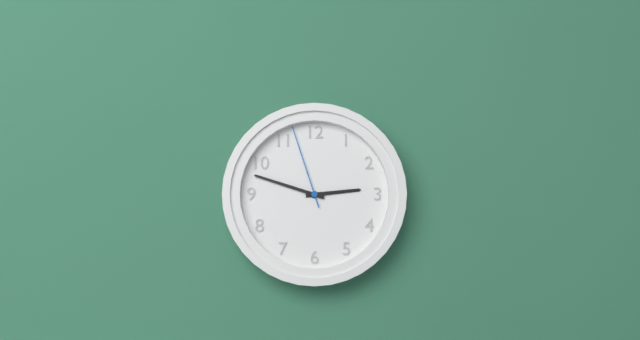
{"hour": 2, "minute": 48, "second": 57}
